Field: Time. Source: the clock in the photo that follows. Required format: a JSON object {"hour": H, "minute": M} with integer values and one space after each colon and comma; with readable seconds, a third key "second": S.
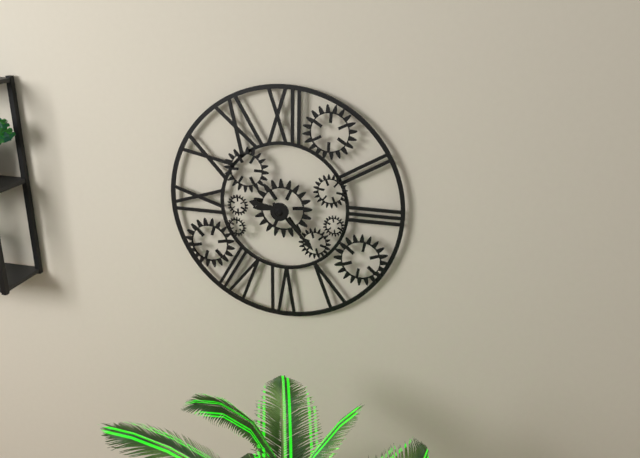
{"hour": 9, "minute": 23}
